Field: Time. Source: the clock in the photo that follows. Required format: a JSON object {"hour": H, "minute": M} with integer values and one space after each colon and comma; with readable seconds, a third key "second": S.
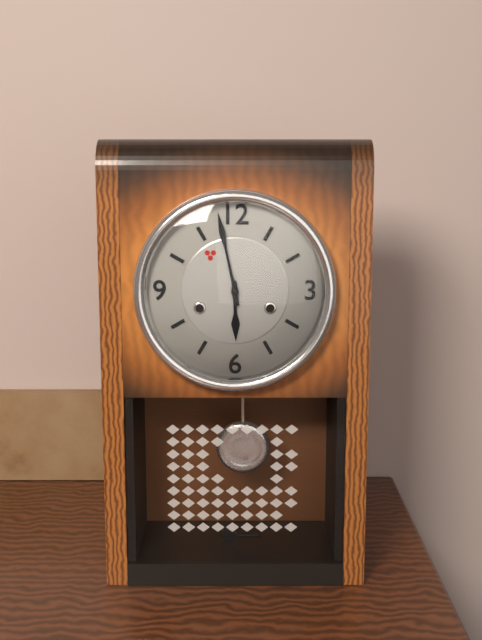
{"hour": 5, "minute": 58}
